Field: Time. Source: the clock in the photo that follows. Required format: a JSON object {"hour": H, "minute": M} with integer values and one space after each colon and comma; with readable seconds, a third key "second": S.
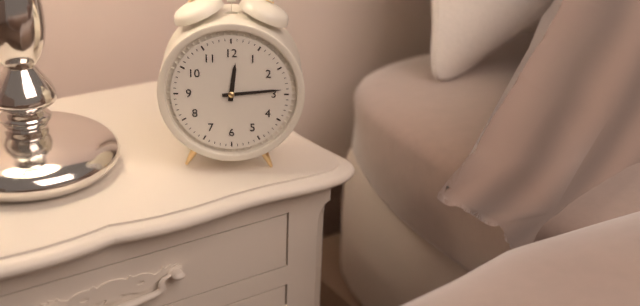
{"hour": 12, "minute": 14}
